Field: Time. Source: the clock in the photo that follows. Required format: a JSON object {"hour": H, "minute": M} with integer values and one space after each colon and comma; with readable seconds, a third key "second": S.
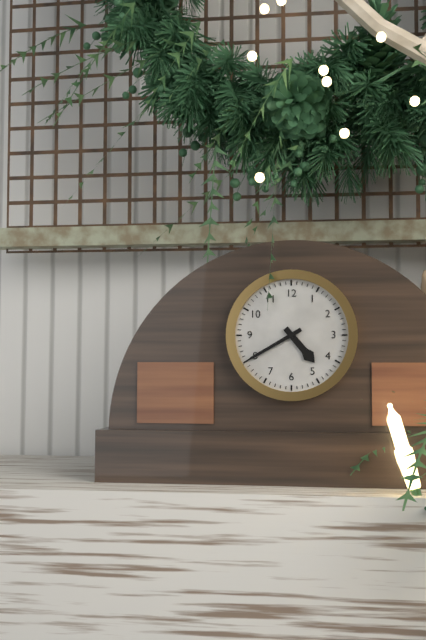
{"hour": 4, "minute": 40}
